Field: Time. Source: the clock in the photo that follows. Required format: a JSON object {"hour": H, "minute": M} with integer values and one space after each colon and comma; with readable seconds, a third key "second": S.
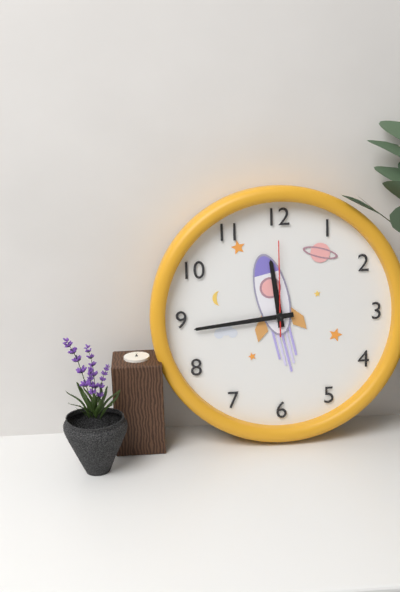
{"hour": 11, "minute": 44, "second": 0}
